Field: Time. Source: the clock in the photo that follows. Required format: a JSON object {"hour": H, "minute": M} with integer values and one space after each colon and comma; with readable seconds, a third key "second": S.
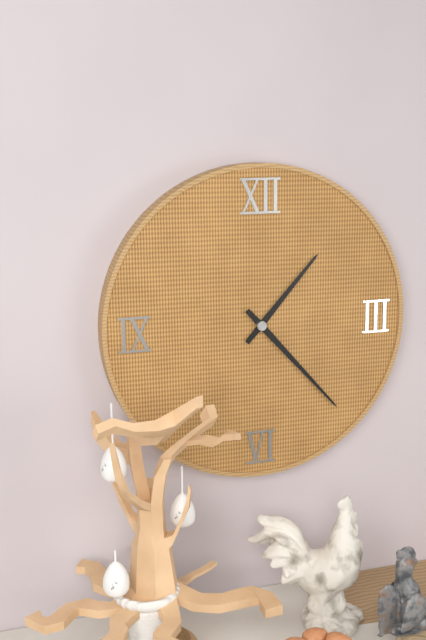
{"hour": 1, "minute": 23}
